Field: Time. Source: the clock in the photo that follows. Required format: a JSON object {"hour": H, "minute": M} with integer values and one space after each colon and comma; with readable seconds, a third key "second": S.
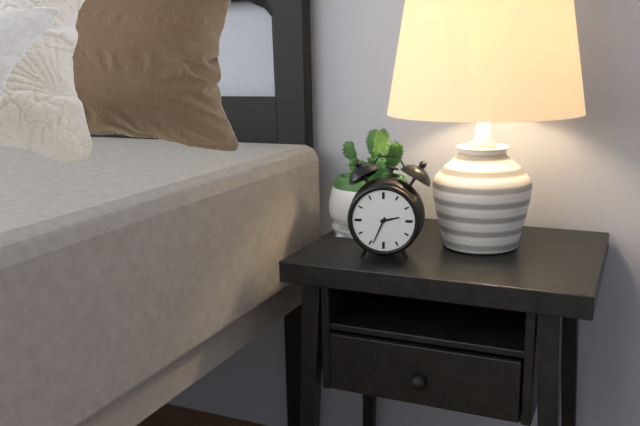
{"hour": 2, "minute": 34}
